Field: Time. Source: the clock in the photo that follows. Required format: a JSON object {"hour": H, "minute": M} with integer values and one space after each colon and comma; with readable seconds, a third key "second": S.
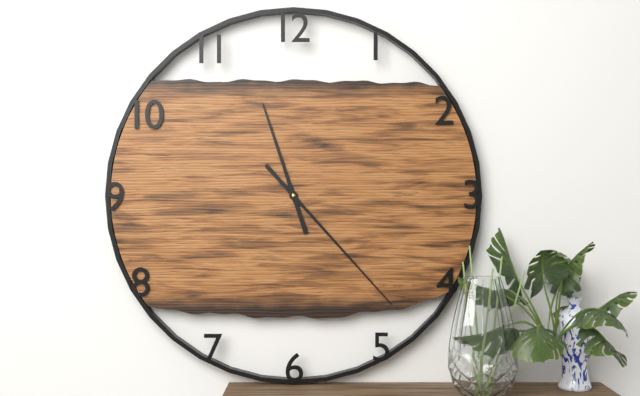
{"hour": 11, "minute": 23}
